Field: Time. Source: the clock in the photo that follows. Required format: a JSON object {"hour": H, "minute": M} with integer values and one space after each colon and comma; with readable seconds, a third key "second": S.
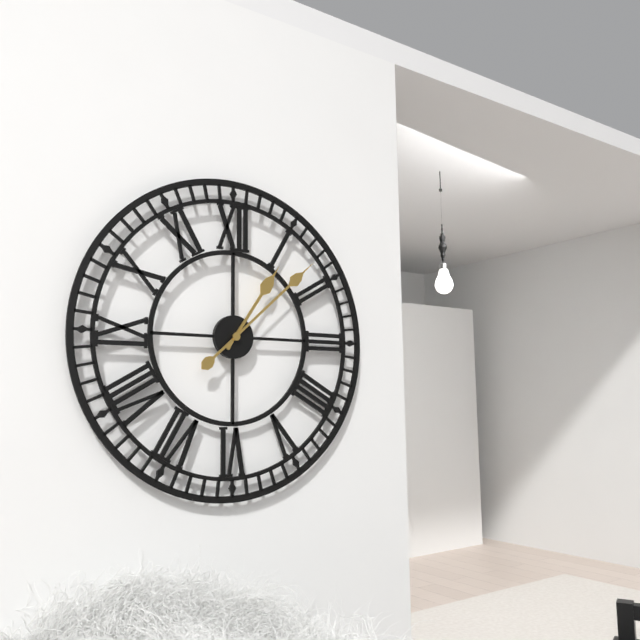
{"hour": 1, "minute": 8}
